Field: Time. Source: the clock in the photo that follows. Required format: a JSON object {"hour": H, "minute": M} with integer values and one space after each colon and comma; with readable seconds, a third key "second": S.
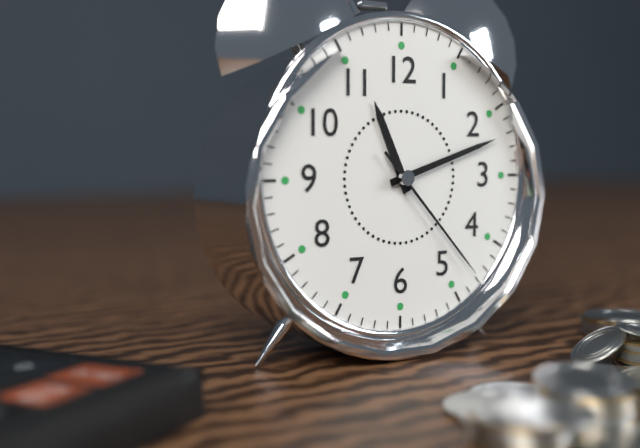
{"hour": 11, "minute": 12, "second": 23}
